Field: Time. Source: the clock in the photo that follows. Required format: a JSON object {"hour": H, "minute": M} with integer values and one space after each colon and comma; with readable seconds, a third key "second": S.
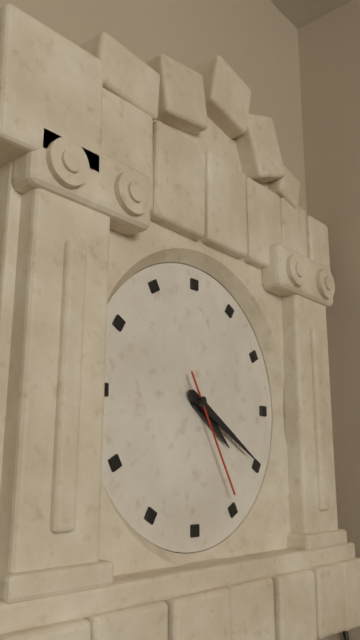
{"hour": 4, "minute": 20, "second": 25}
